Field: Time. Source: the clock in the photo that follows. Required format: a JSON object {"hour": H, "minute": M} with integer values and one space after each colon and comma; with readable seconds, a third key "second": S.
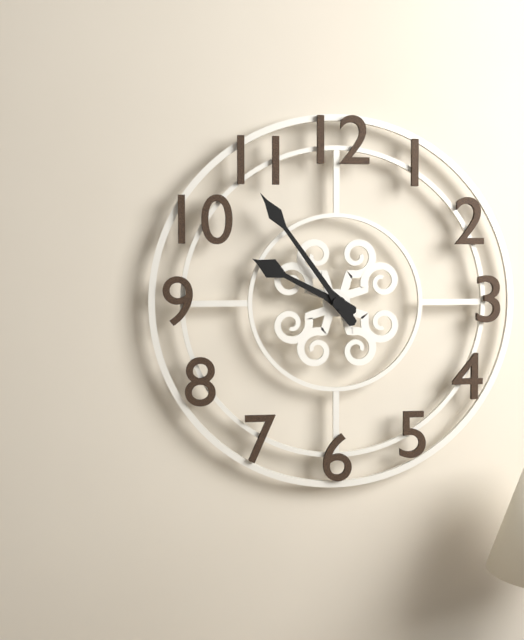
{"hour": 9, "minute": 54}
